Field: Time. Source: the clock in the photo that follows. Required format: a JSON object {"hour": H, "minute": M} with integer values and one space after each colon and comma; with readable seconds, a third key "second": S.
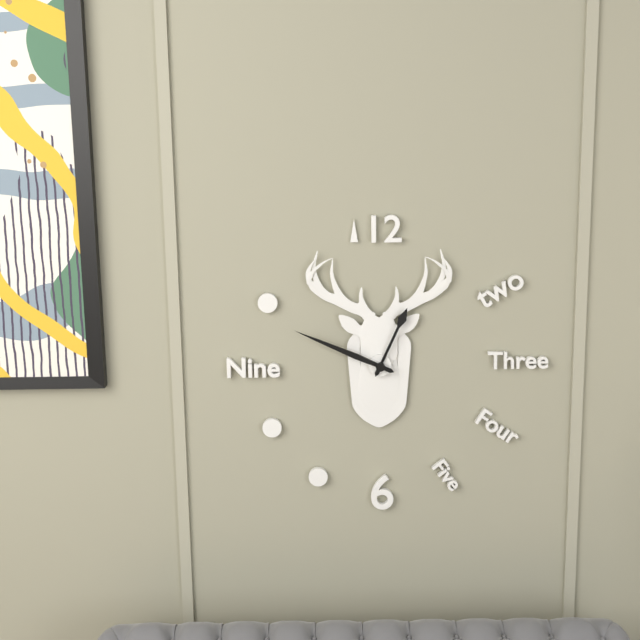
{"hour": 12, "minute": 49}
